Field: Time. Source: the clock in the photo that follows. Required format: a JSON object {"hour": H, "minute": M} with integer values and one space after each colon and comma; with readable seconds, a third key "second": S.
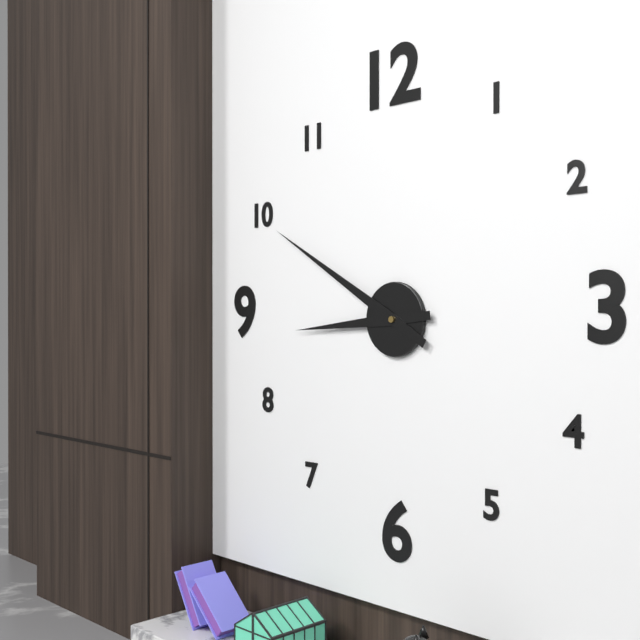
{"hour": 8, "minute": 50}
